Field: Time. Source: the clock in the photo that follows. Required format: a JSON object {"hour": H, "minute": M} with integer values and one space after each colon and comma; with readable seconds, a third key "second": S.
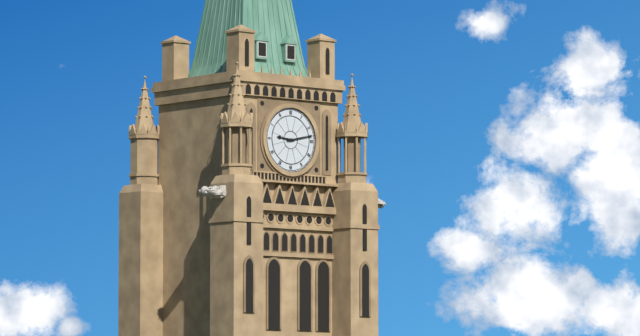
{"hour": 9, "minute": 13}
